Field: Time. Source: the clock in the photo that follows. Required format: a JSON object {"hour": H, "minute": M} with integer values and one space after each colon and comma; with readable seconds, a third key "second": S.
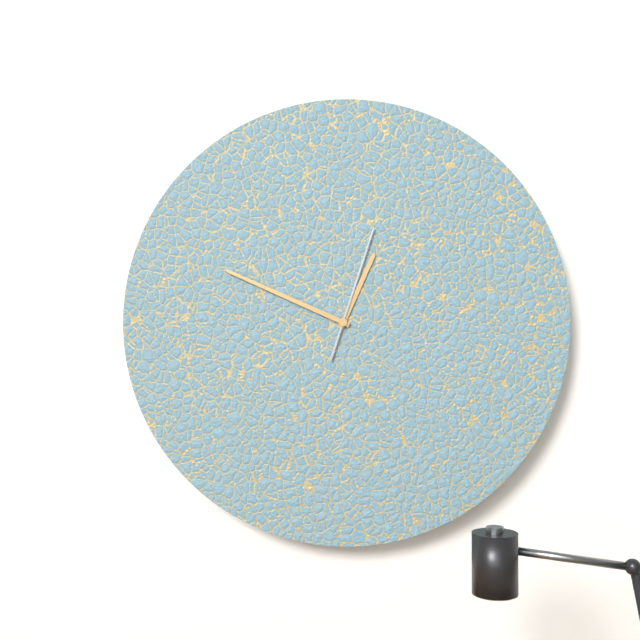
{"hour": 12, "minute": 49, "second": 3}
